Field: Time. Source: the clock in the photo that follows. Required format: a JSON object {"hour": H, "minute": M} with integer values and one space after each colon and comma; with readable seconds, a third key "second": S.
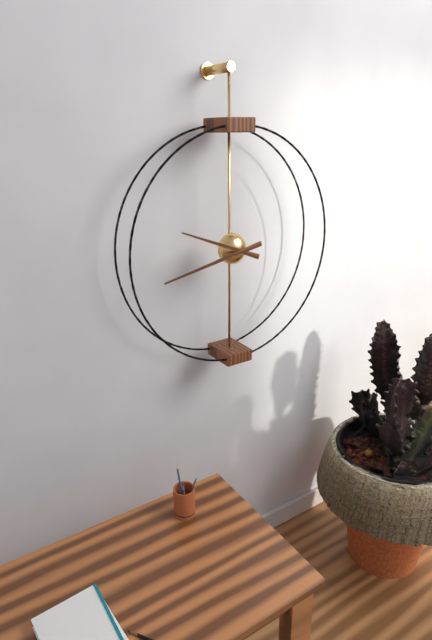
{"hour": 9, "minute": 43}
